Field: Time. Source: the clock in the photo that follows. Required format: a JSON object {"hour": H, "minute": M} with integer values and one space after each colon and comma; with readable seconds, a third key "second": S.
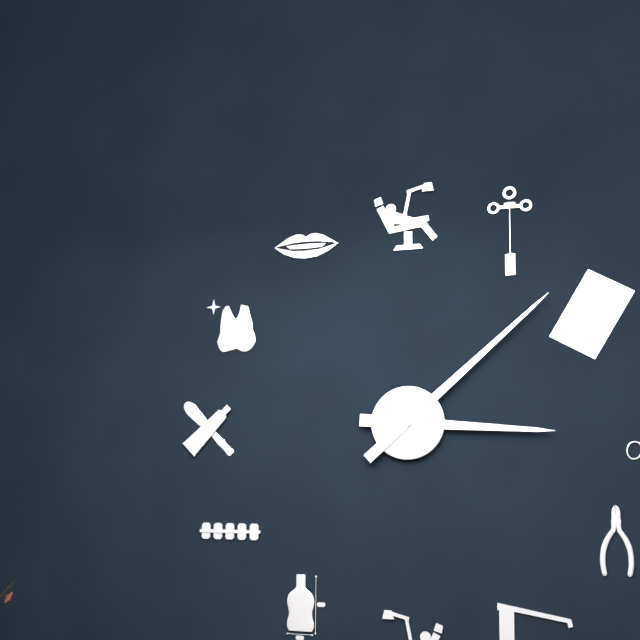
{"hour": 3, "minute": 8}
